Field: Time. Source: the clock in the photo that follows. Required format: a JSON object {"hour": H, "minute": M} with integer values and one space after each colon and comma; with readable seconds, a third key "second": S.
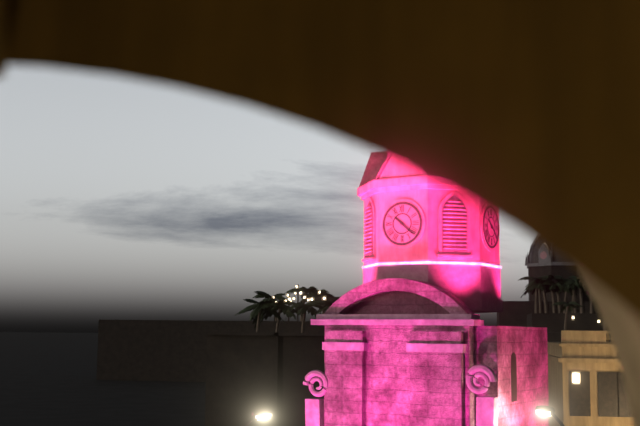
{"hour": 10, "minute": 22}
